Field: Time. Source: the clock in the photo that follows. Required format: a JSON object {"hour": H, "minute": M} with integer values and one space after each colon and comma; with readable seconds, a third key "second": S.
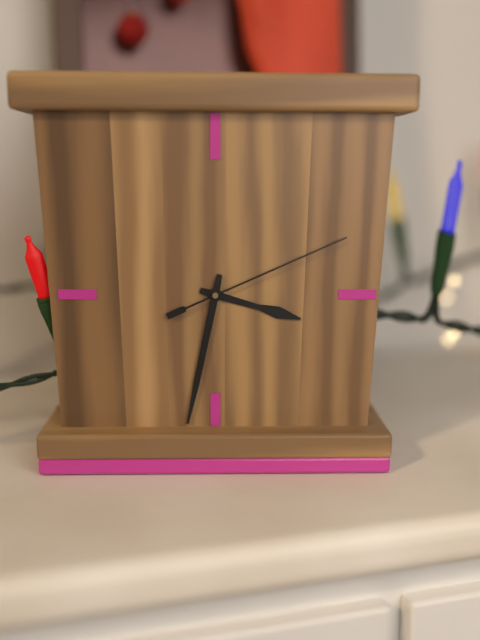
{"hour": 3, "minute": 32, "second": 11}
